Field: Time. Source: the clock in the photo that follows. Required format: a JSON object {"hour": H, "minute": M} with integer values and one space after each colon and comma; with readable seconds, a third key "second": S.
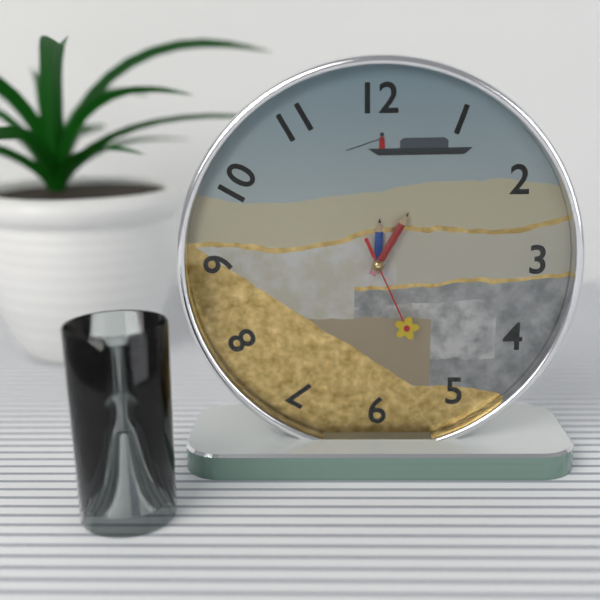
{"hour": 12, "minute": 5, "second": 26}
